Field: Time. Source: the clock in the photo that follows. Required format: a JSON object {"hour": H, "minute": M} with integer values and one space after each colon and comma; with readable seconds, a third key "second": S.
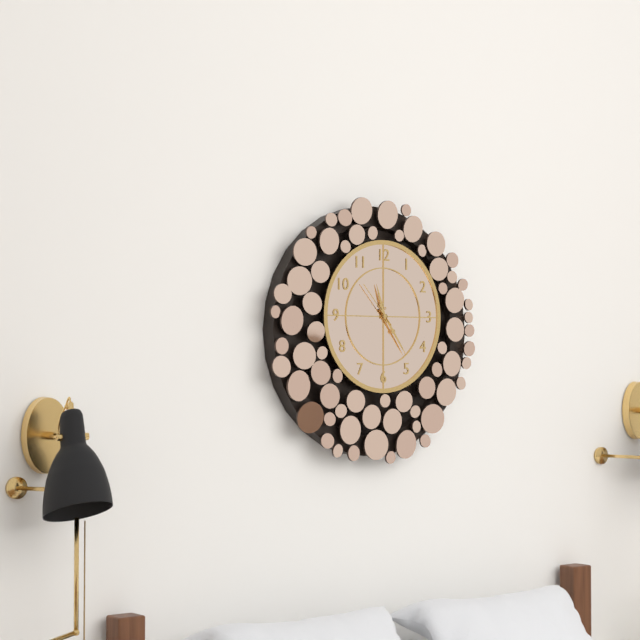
{"hour": 11, "minute": 24}
